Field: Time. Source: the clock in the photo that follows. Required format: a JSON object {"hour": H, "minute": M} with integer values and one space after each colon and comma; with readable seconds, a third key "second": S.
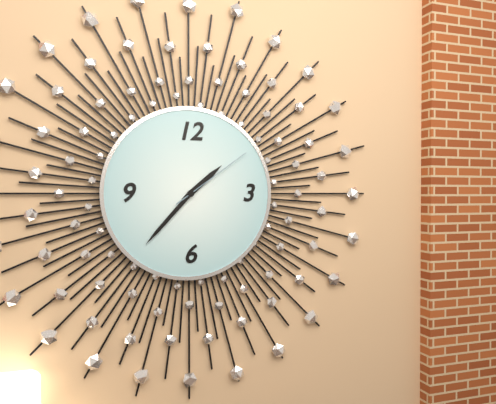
{"hour": 1, "minute": 37, "second": 9}
